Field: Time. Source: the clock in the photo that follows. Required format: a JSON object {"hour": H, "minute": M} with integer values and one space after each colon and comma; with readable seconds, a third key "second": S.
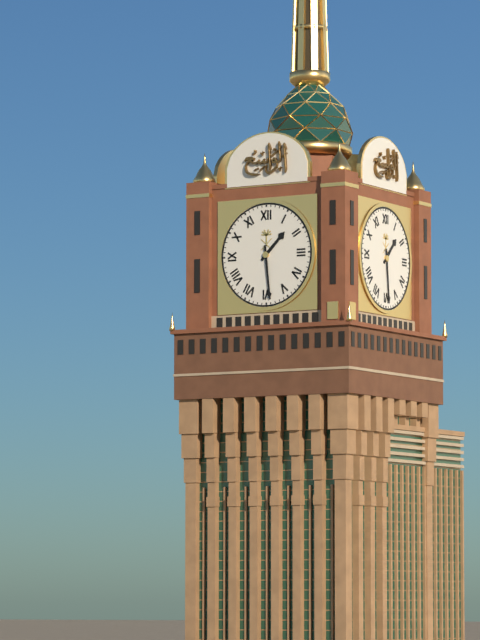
{"hour": 1, "minute": 29}
